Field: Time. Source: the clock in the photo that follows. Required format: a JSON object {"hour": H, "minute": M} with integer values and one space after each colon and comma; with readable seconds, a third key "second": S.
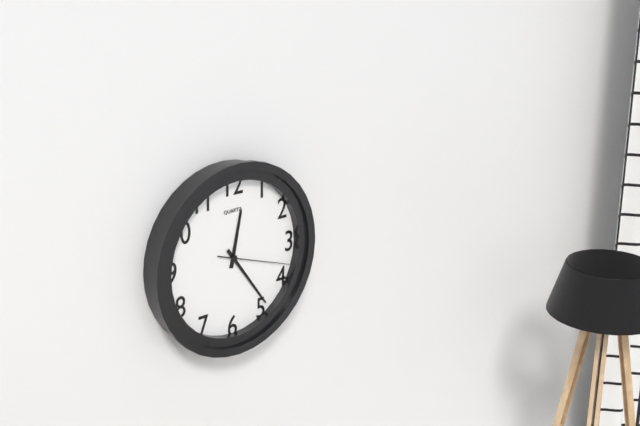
{"hour": 12, "minute": 24, "second": 18}
